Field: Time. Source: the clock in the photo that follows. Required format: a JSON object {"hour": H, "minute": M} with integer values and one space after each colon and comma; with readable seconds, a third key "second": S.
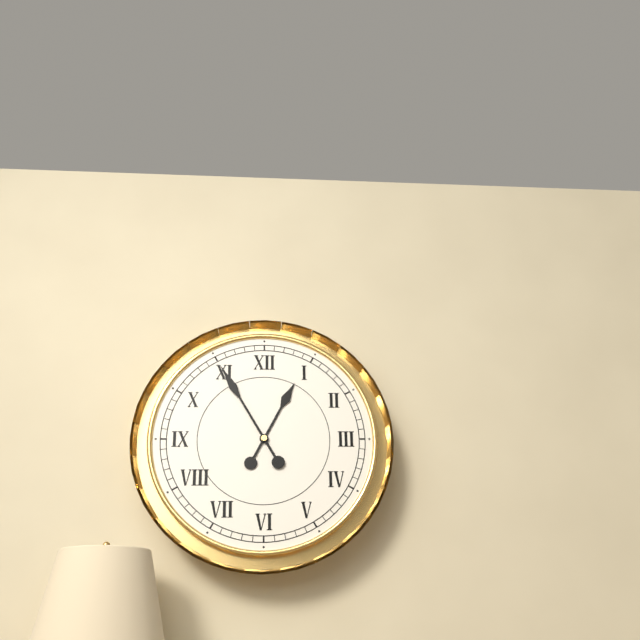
{"hour": 12, "minute": 55}
